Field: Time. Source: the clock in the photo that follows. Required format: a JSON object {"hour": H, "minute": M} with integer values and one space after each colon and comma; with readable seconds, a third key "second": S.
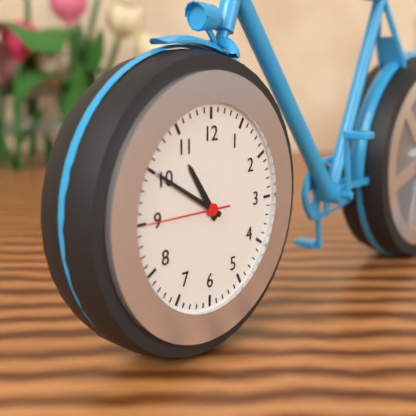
{"hour": 10, "minute": 50, "second": 45}
